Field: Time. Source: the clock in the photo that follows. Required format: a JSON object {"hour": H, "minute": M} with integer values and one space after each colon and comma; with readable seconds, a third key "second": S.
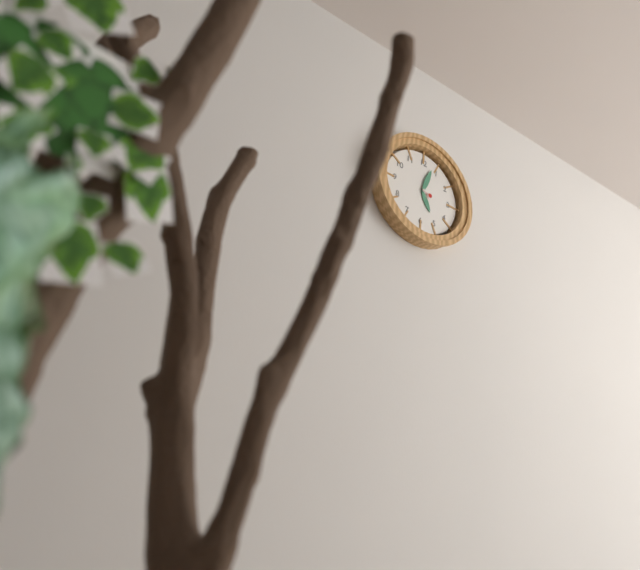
{"hour": 5, "minute": 3}
